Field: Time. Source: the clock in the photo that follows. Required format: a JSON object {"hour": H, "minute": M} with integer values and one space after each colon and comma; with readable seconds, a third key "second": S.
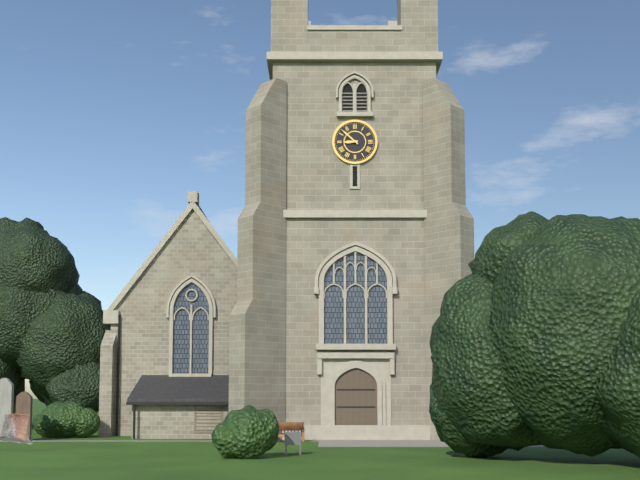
{"hour": 8, "minute": 52}
